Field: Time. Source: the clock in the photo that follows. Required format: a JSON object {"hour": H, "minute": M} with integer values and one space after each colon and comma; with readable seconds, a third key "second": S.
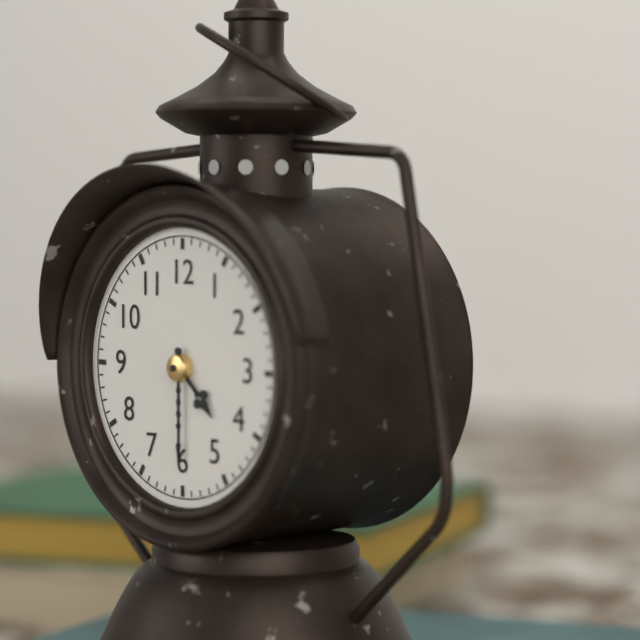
{"hour": 4, "minute": 30}
